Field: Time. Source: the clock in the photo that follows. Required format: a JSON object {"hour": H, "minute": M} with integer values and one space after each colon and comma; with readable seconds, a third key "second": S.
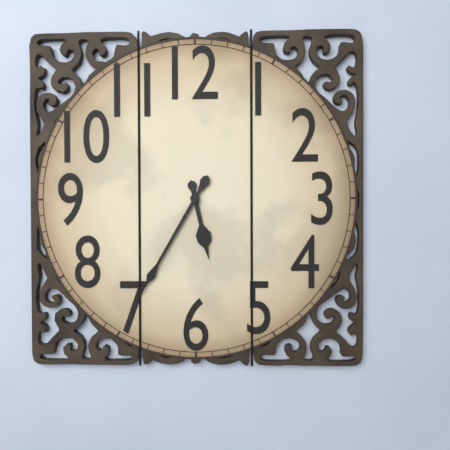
{"hour": 5, "minute": 35}
